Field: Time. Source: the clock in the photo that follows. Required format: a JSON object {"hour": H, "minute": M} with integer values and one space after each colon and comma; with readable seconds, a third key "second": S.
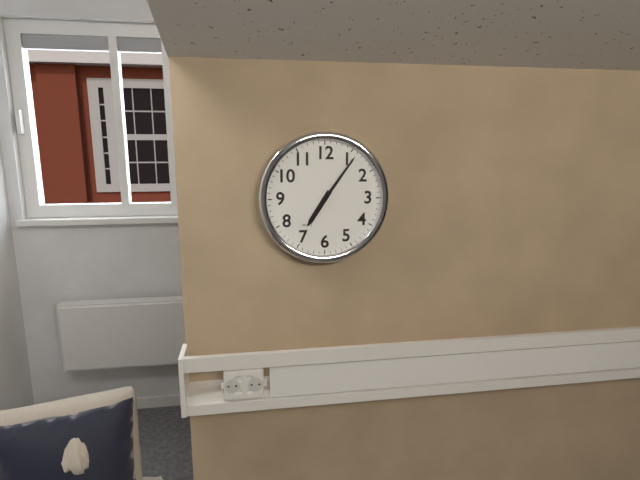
{"hour": 7, "minute": 6}
